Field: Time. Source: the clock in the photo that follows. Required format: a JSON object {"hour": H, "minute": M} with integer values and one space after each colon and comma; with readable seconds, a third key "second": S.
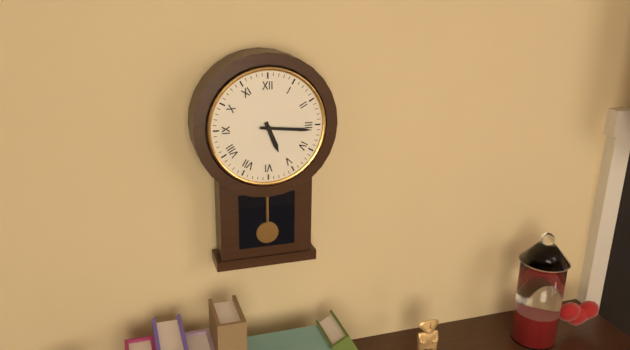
{"hour": 5, "minute": 16}
